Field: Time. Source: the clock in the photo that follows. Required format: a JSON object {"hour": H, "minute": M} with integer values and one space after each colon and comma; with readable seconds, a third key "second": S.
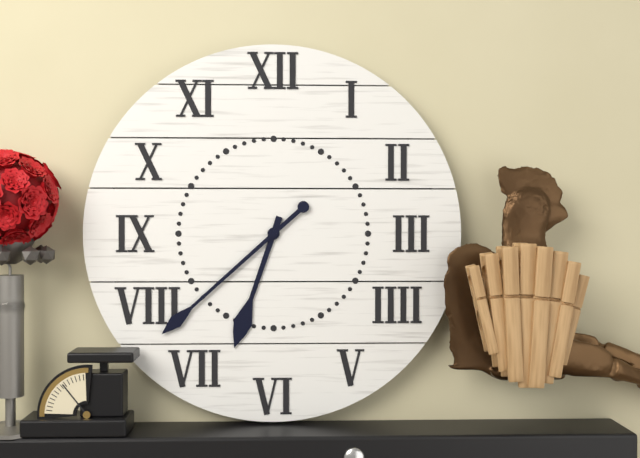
{"hour": 6, "minute": 38}
